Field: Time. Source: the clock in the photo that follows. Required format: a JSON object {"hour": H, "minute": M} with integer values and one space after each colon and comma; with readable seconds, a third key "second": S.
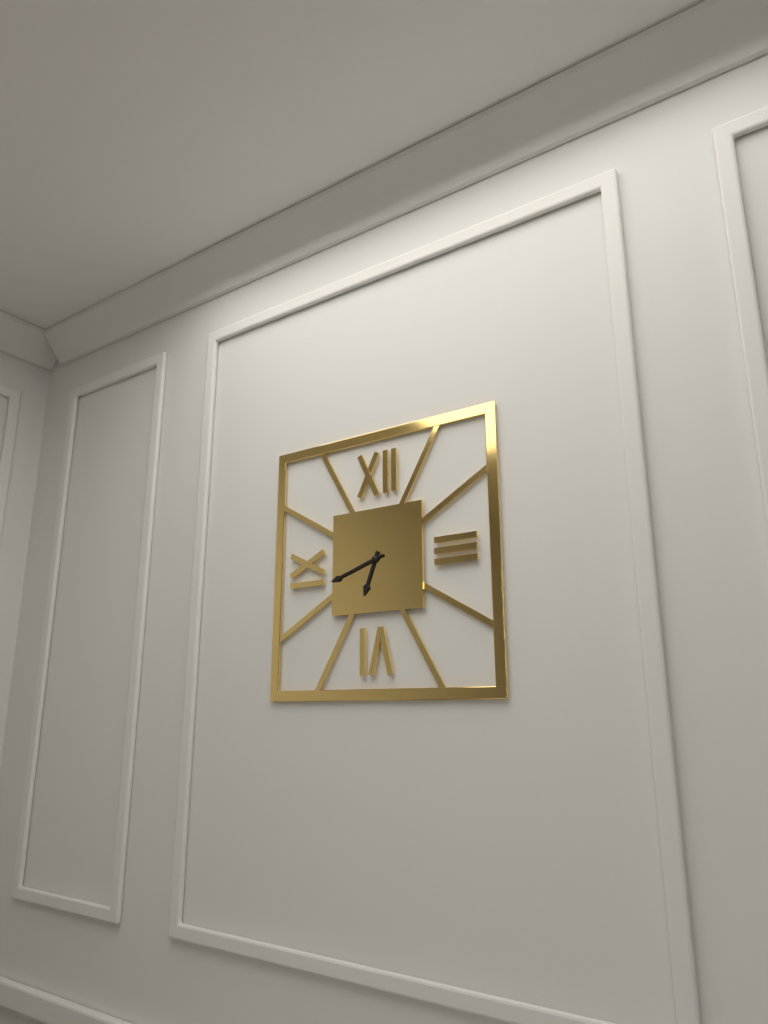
{"hour": 6, "minute": 42}
